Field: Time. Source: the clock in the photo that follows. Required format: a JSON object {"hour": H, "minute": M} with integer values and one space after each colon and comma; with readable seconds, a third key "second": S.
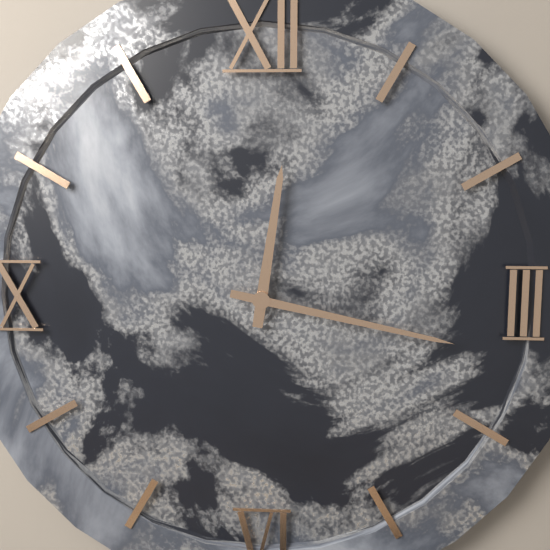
{"hour": 12, "minute": 17}
